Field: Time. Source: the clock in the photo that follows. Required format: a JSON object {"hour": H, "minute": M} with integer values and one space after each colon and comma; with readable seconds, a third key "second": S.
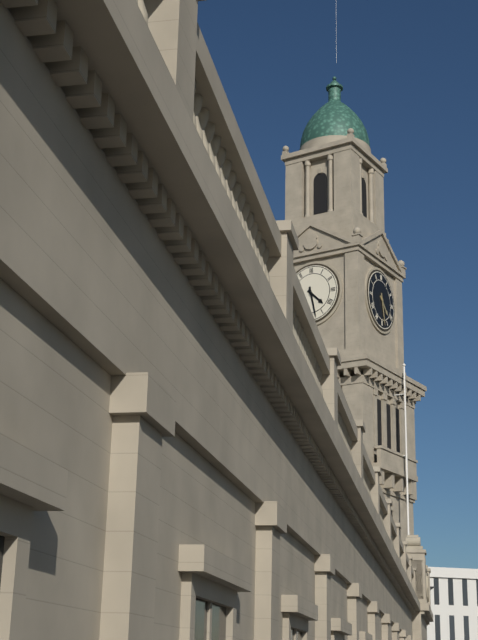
{"hour": 4, "minute": 28}
